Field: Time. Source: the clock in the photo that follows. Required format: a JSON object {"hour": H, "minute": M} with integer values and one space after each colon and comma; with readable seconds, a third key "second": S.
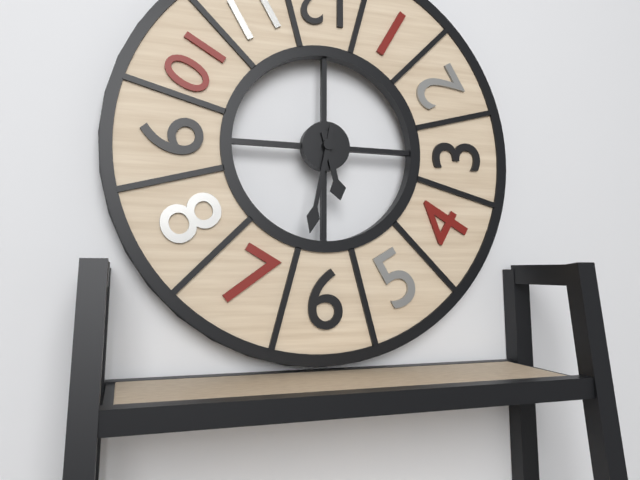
{"hour": 5, "minute": 32}
